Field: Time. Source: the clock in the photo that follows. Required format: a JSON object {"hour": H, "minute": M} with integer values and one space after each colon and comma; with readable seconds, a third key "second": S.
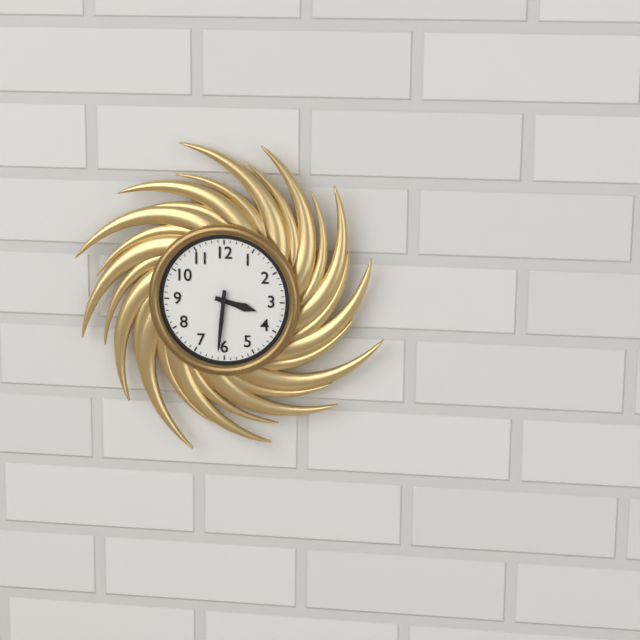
{"hour": 3, "minute": 31}
